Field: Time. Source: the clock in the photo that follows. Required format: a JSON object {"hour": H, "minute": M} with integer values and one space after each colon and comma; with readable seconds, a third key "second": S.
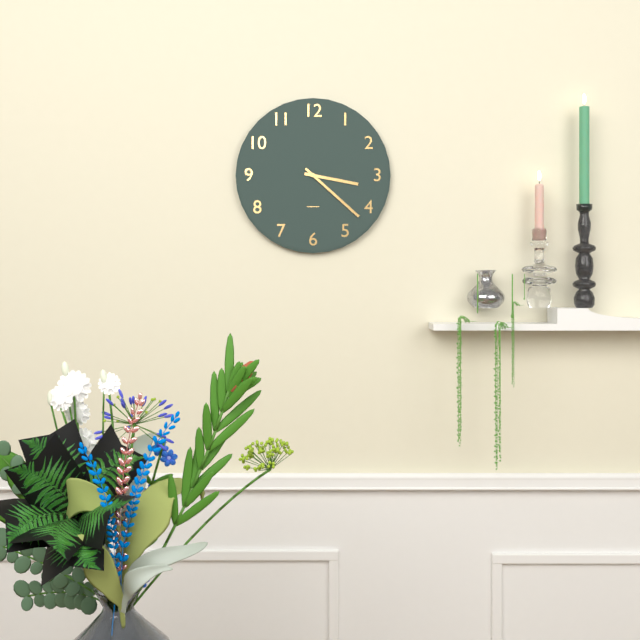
{"hour": 3, "minute": 22}
